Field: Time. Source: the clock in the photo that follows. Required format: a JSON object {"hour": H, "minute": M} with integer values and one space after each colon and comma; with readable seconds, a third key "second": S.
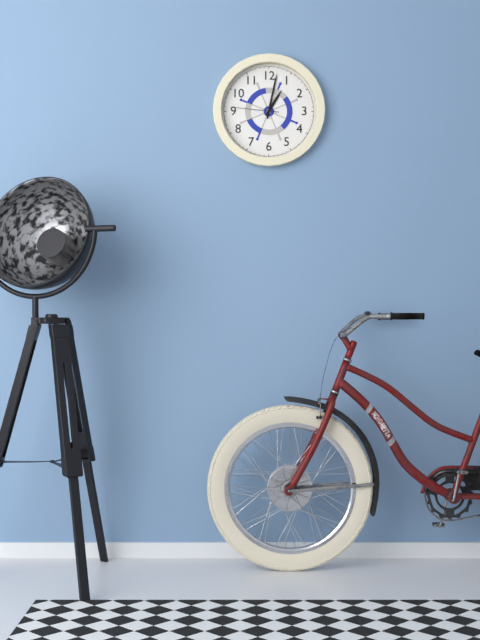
{"hour": 1, "minute": 2}
